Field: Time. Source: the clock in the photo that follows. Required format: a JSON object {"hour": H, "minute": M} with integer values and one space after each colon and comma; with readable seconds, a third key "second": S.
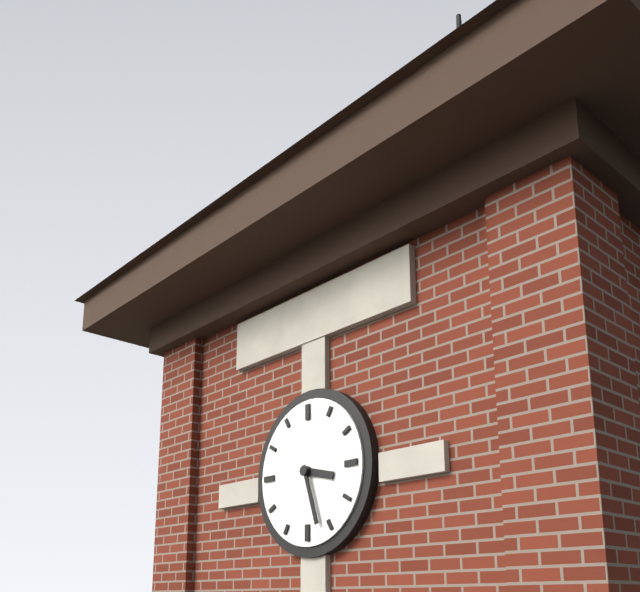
{"hour": 3, "minute": 27}
